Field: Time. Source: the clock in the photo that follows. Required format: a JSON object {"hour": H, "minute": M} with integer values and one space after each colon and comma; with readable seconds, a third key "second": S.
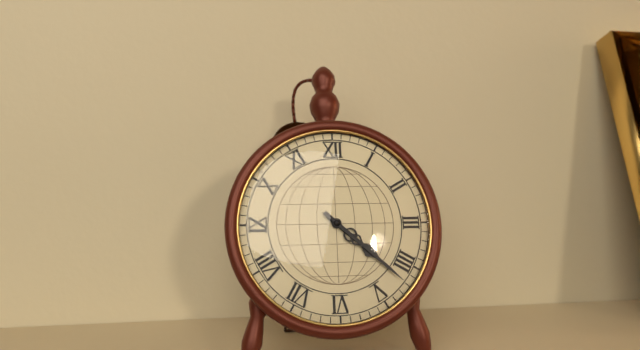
{"hour": 4, "minute": 22}
